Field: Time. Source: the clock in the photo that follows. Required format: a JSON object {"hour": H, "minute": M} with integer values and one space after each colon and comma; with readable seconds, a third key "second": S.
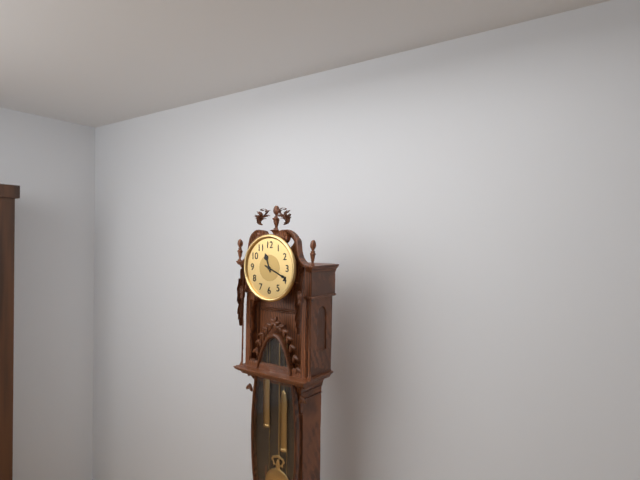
{"hour": 11, "minute": 19}
